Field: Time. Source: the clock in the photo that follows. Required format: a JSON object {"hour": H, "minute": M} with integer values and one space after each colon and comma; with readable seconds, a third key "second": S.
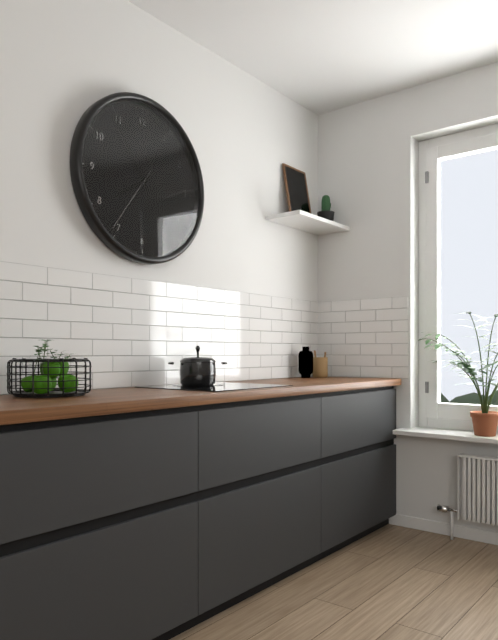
{"hour": 7, "minute": 54, "second": 36}
